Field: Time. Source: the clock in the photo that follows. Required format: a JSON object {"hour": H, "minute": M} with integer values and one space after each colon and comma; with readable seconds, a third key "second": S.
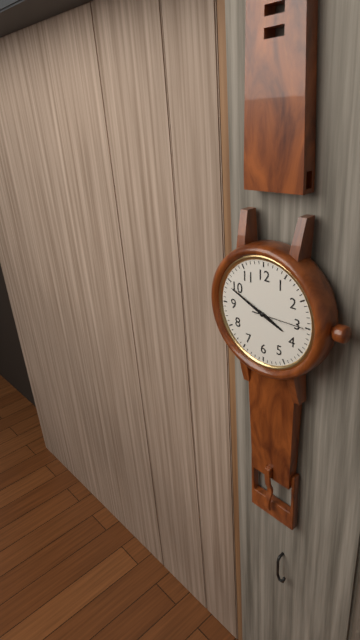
{"hour": 3, "minute": 49, "second": 15}
